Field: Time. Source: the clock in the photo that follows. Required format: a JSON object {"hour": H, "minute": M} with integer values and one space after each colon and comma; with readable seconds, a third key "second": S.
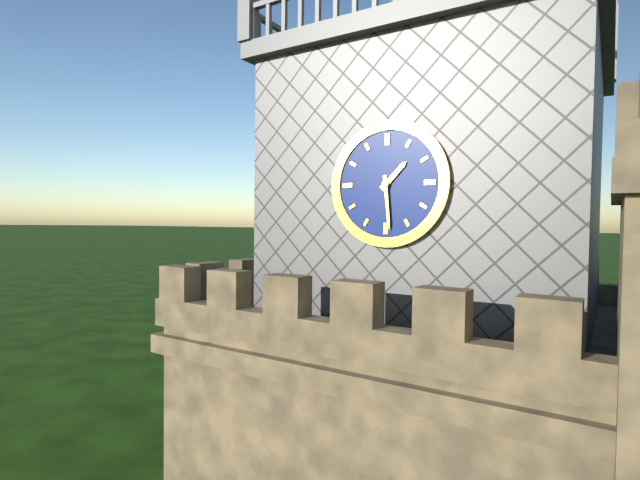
{"hour": 1, "minute": 29}
